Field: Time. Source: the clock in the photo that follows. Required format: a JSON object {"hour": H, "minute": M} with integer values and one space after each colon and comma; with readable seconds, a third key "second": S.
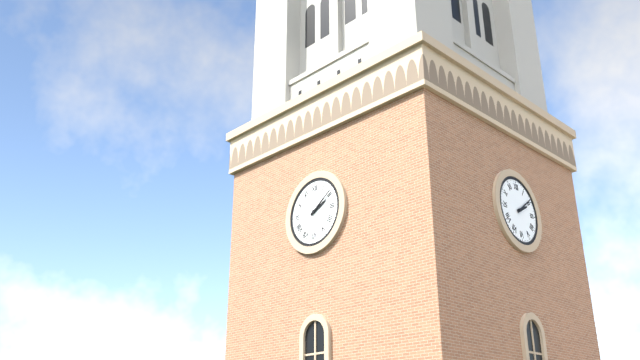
{"hour": 2, "minute": 9}
